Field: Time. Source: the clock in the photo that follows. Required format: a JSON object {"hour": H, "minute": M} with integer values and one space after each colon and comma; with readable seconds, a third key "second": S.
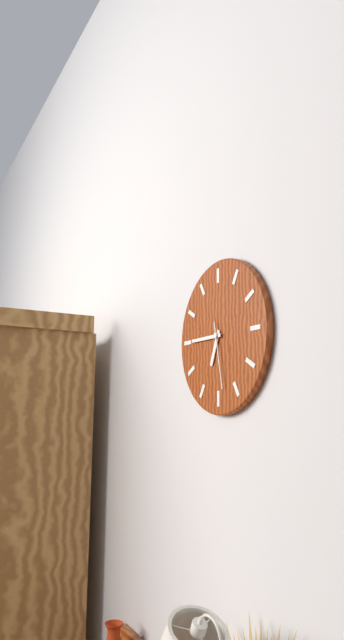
{"hour": 6, "minute": 45, "second": 28}
